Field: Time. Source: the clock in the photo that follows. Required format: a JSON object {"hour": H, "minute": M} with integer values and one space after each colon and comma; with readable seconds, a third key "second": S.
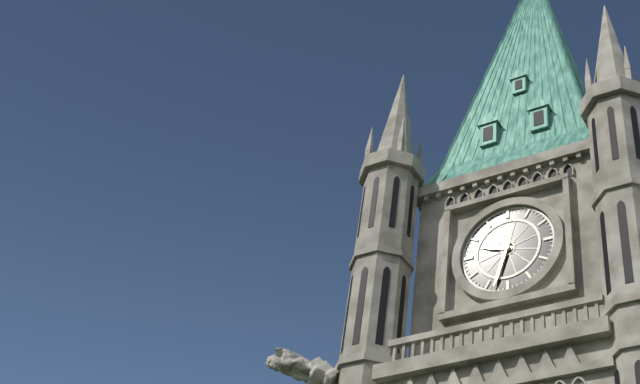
{"hour": 9, "minute": 33}
